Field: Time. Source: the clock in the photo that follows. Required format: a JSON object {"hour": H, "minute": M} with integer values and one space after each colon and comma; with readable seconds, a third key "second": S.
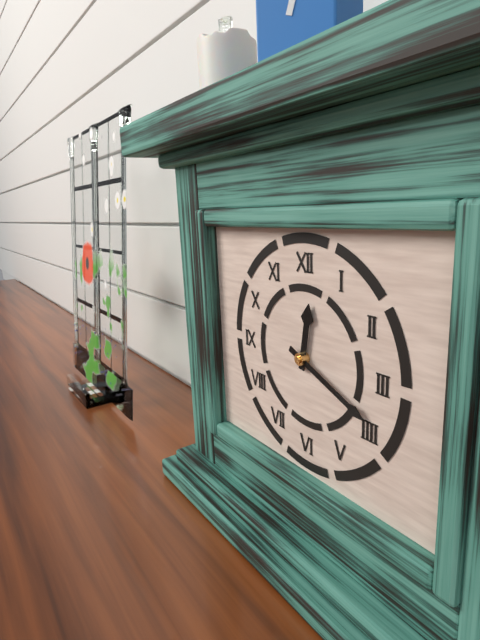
{"hour": 12, "minute": 19}
